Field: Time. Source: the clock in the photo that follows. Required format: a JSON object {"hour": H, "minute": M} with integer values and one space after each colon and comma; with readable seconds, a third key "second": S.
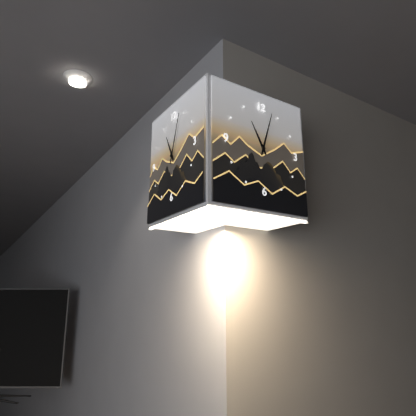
{"hour": 11, "minute": 3}
